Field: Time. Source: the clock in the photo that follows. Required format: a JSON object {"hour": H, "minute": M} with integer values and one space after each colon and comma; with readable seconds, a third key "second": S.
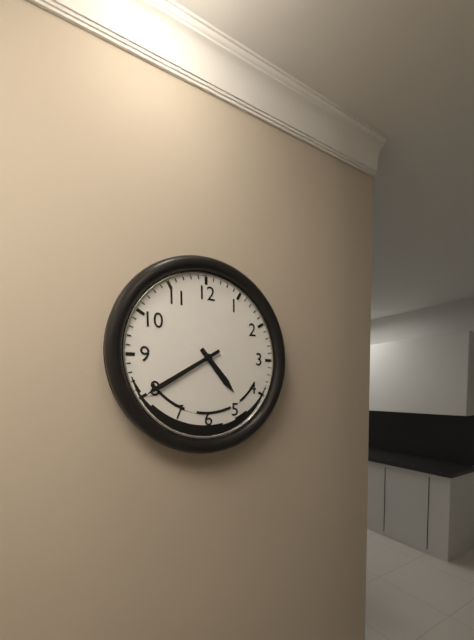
{"hour": 4, "minute": 40}
